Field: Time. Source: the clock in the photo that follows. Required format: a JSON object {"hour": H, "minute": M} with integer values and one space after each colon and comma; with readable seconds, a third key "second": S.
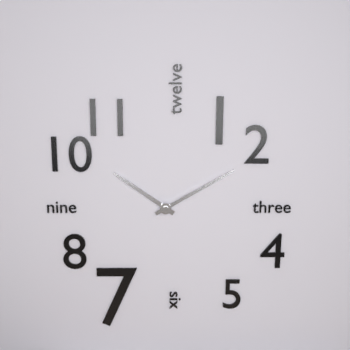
{"hour": 10, "minute": 10}
